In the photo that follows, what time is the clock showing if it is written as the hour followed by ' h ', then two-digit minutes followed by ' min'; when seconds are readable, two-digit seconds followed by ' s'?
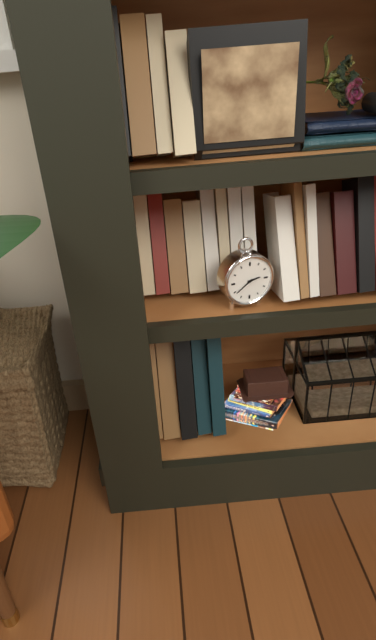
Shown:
2 h 39 min
